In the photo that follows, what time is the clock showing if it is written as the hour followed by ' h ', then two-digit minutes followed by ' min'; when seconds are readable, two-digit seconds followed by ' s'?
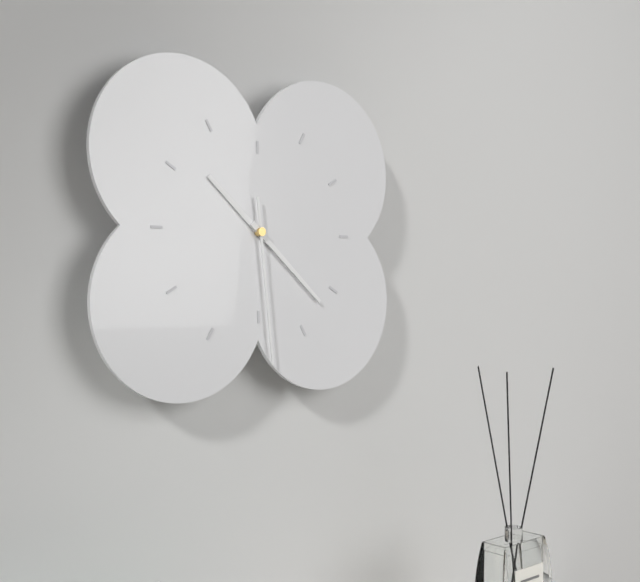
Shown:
10 h 22 min 29 s
